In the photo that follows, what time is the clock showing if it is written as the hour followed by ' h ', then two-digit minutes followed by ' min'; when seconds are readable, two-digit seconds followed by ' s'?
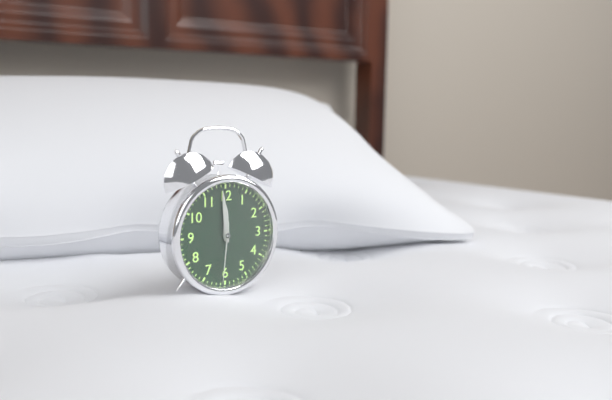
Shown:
11 h 59 min 31 s
